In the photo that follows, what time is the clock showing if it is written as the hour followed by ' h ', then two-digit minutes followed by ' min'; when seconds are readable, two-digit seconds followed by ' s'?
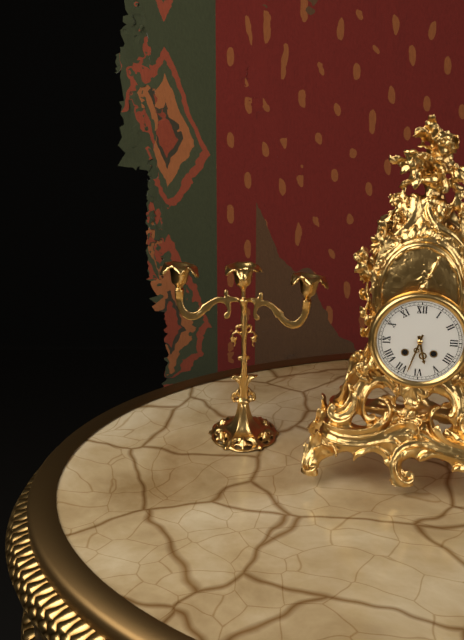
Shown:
5 h 33 min
